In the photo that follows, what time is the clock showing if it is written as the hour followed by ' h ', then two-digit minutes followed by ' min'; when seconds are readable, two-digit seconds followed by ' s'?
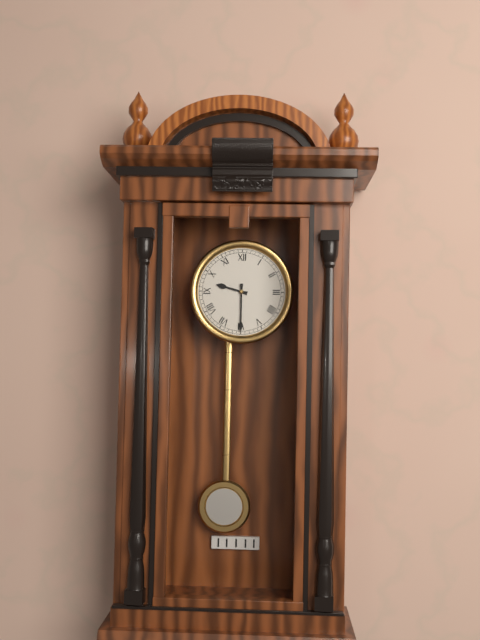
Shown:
9 h 30 min
